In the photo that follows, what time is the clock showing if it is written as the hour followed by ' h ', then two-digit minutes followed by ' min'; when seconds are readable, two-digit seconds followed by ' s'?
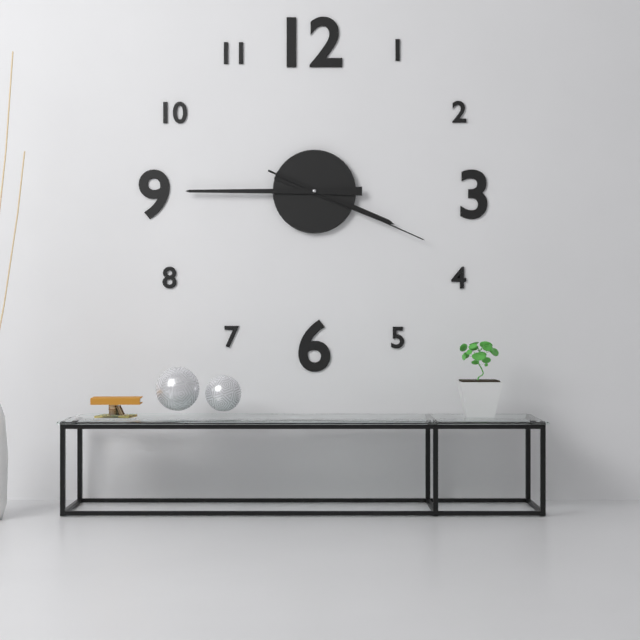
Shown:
3 h 45 min 19 s
